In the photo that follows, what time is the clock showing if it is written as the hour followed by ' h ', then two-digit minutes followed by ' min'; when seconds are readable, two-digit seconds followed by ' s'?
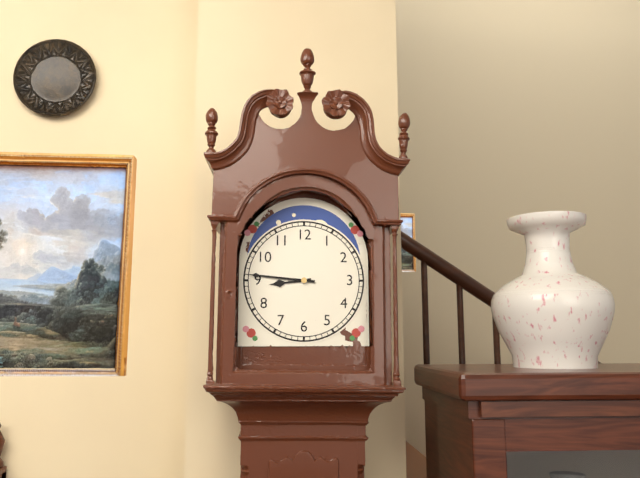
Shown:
8 h 46 min
